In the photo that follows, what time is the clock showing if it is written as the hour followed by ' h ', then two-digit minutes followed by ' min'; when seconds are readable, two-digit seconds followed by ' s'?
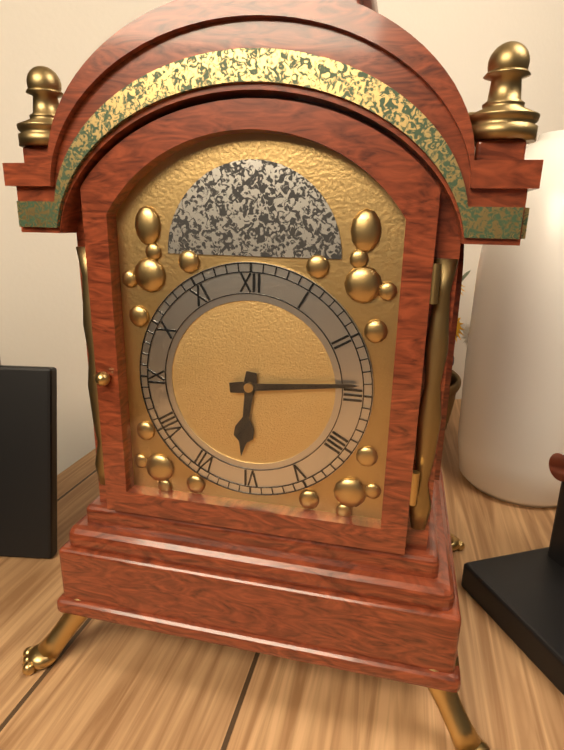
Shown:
6 h 14 min
